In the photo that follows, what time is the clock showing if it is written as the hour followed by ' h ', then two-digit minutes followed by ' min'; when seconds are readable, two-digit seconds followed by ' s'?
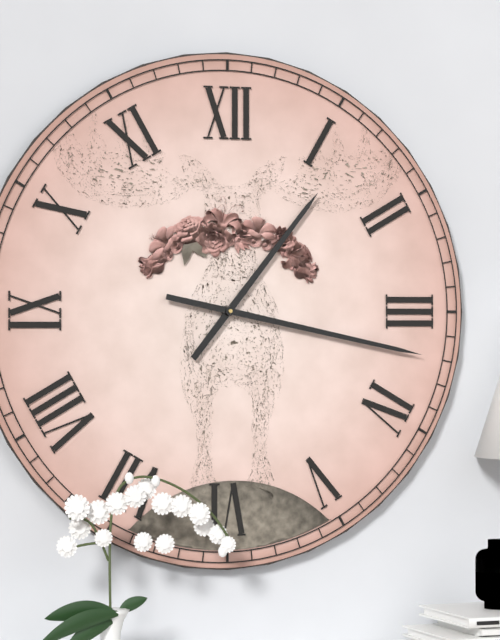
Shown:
1 h 17 min
